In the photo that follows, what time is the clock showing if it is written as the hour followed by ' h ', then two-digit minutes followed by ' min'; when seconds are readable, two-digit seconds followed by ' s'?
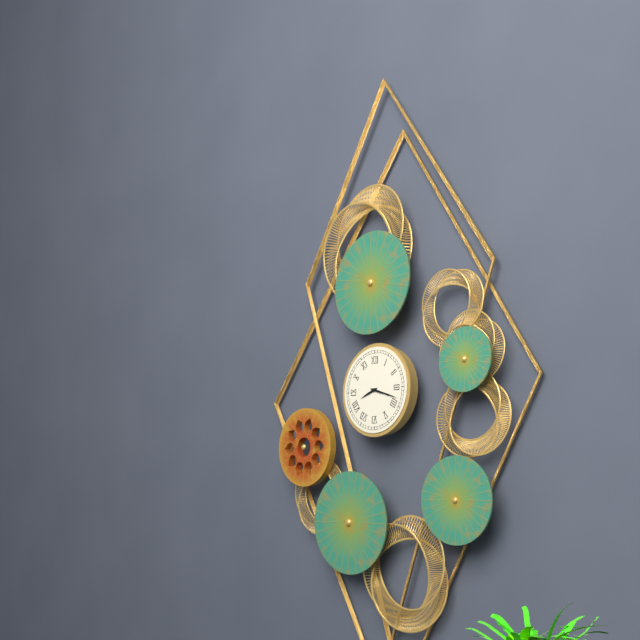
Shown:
8 h 18 min
